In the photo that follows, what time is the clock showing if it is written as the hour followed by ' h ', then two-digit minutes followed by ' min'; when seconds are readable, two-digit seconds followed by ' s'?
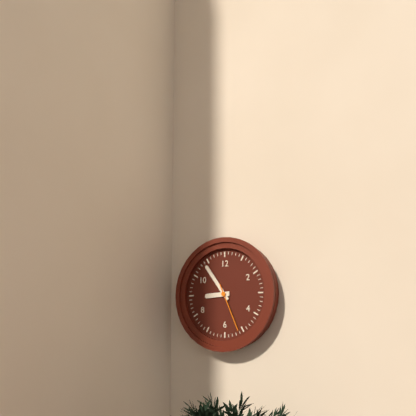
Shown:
8 h 54 min
